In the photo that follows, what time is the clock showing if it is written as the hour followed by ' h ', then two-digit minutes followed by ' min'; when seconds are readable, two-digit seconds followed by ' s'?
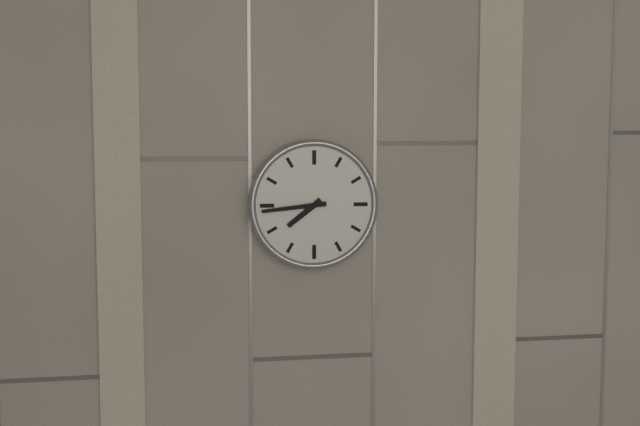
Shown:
7 h 44 min
